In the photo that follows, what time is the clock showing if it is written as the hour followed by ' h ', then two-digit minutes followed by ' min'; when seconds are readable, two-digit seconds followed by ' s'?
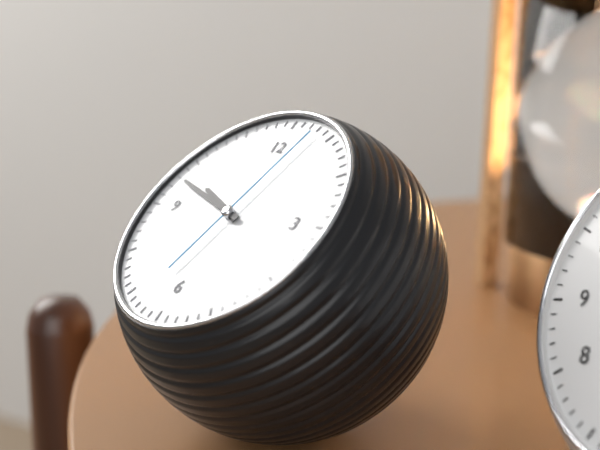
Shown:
9 h 48 min 03 s
